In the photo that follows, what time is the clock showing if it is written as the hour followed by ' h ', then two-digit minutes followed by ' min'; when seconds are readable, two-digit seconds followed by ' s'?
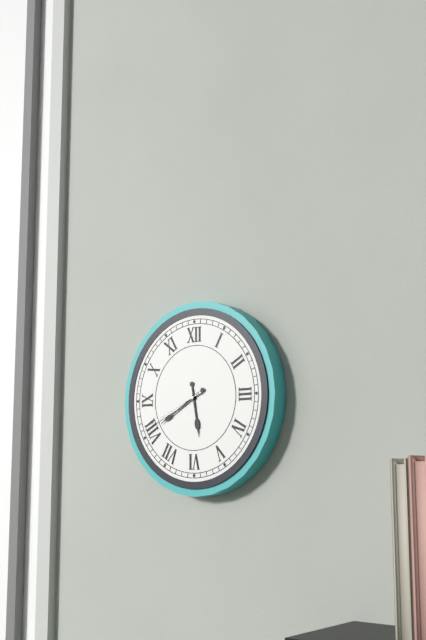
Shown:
5 h 40 min 41 s
